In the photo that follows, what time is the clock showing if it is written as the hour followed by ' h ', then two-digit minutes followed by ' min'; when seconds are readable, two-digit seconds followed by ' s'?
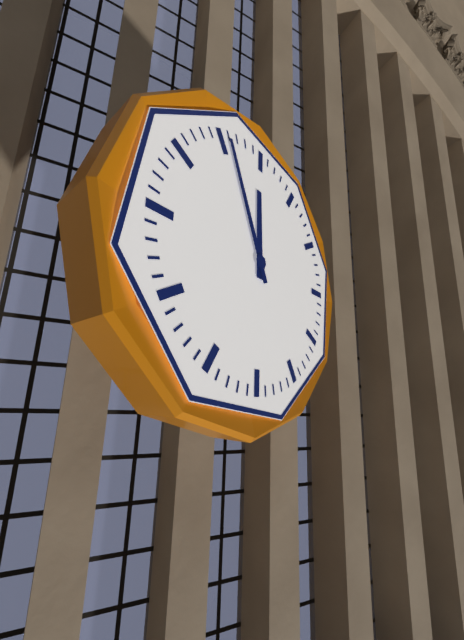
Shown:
11 h 56 min
